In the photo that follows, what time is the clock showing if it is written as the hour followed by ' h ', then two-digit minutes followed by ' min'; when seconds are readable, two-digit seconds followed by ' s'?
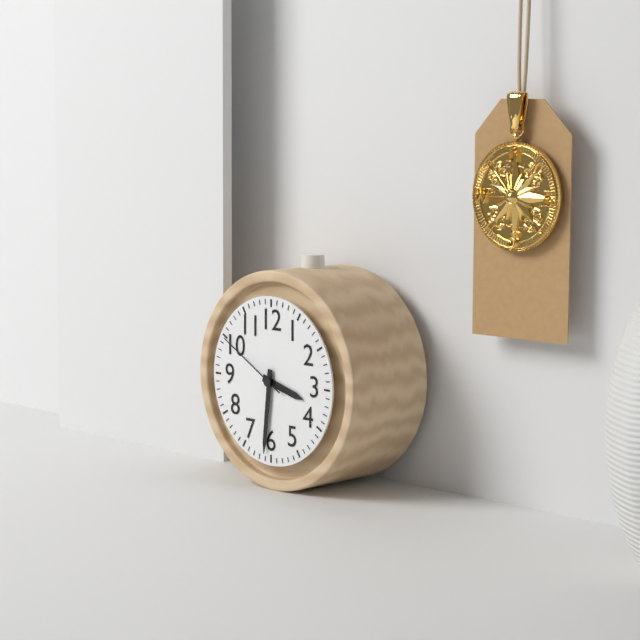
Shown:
3 h 31 min 50 s
